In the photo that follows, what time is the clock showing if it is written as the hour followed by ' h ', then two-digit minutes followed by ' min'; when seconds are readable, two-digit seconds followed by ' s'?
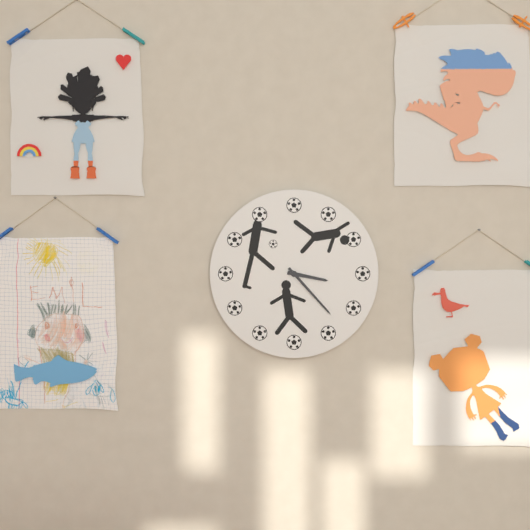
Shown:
3 h 23 min
